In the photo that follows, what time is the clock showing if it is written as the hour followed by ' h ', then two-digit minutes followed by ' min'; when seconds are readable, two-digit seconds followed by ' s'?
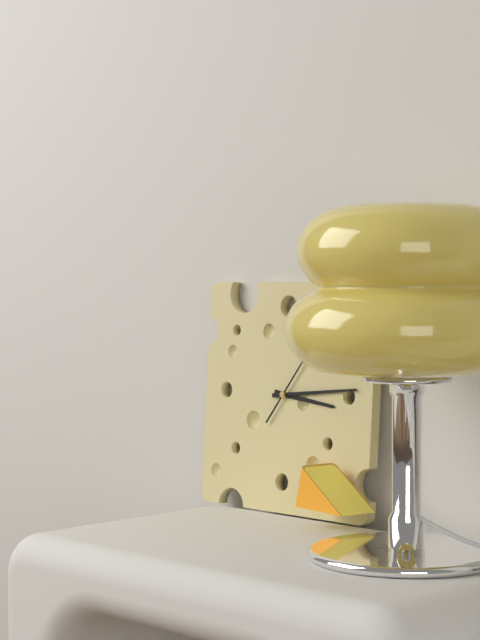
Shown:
3 h 14 min
